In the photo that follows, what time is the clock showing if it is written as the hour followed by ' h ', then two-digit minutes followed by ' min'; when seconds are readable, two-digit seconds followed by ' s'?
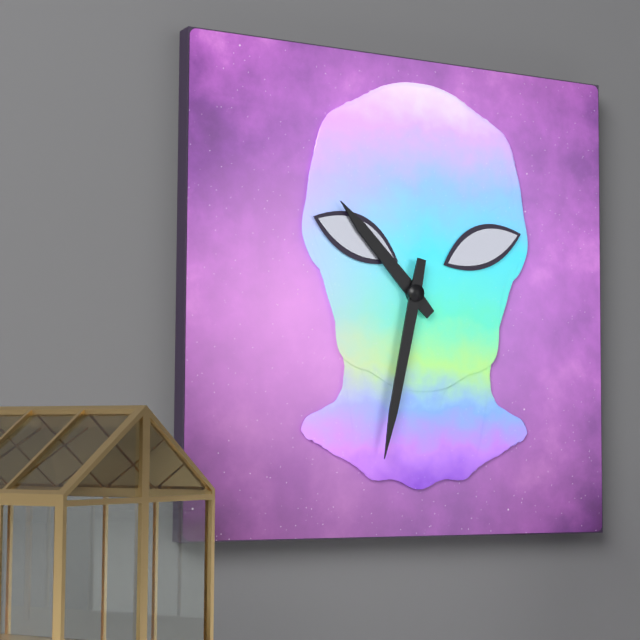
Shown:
10 h 32 min
